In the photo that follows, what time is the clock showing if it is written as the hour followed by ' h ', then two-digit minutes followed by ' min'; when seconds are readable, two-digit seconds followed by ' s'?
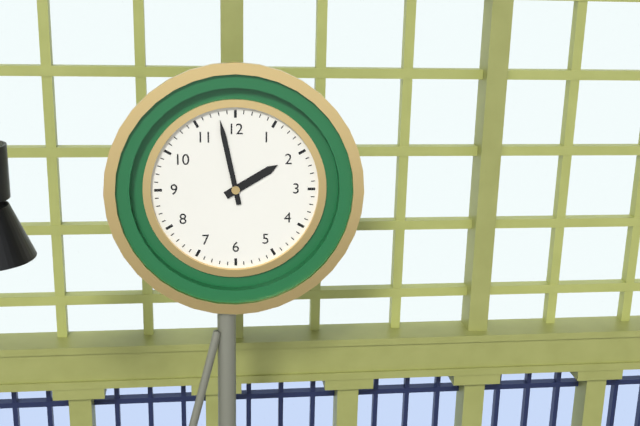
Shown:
1 h 58 min
